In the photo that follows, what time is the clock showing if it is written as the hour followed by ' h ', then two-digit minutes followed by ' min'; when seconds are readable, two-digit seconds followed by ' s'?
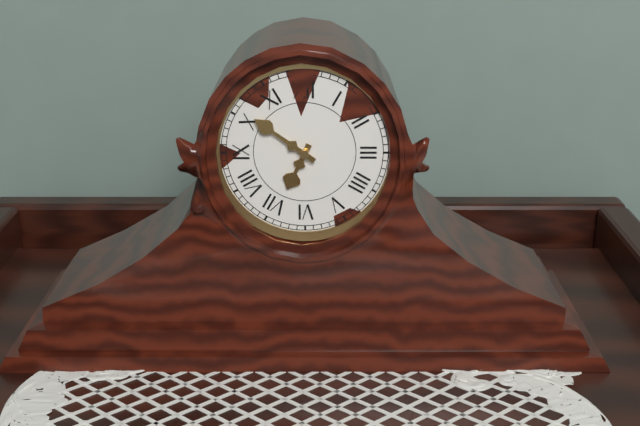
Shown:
6 h 51 min
